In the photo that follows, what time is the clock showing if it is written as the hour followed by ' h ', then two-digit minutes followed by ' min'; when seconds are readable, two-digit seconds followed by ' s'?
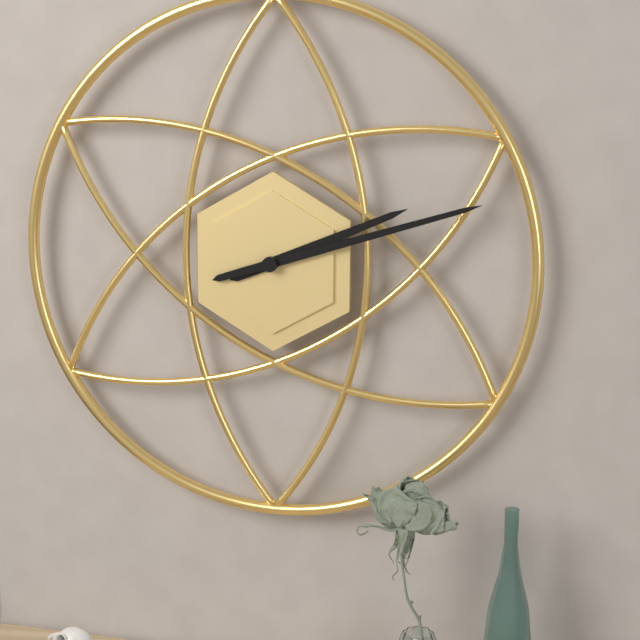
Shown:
2 h 12 min
